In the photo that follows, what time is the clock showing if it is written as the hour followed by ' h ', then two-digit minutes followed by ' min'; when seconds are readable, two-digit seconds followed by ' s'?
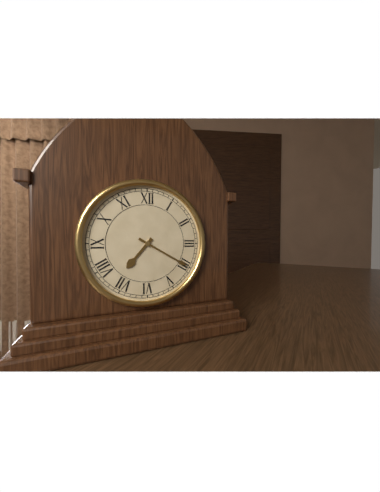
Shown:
7 h 20 min
